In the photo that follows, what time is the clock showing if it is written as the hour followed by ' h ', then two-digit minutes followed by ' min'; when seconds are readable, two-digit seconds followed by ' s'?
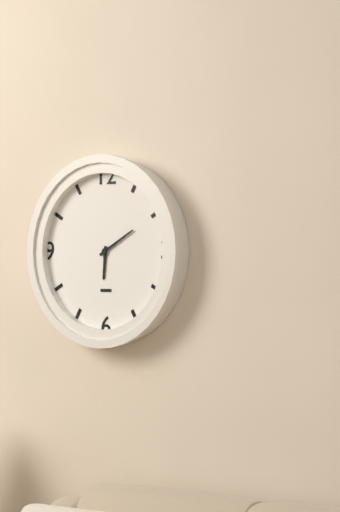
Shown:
6 h 10 min
